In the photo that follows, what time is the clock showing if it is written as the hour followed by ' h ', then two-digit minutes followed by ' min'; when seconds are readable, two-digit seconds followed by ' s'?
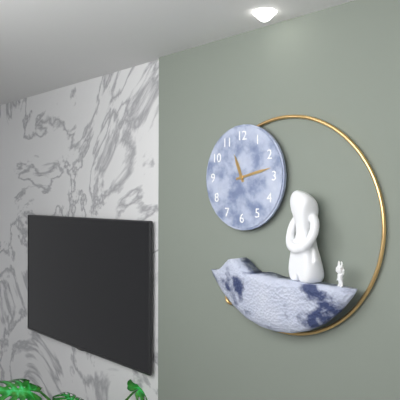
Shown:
11 h 13 min
